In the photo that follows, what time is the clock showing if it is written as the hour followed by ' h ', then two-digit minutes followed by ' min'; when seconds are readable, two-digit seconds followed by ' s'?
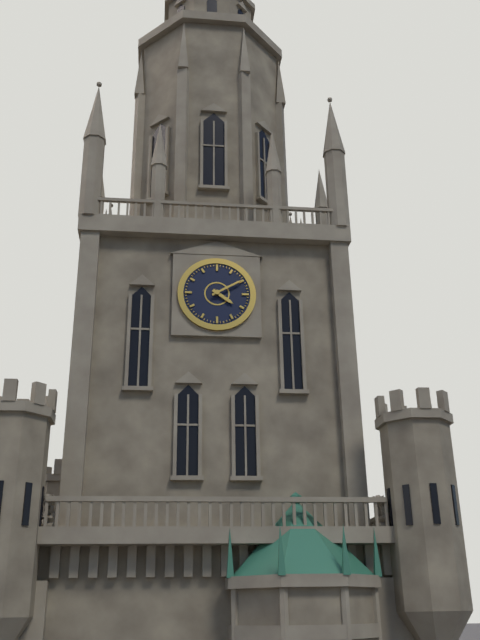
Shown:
4 h 10 min
